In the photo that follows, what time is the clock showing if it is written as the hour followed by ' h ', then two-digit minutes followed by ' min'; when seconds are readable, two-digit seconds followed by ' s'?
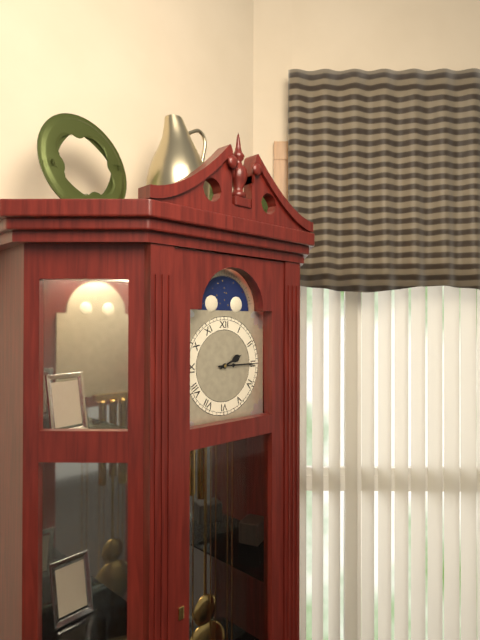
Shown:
2 h 15 min
